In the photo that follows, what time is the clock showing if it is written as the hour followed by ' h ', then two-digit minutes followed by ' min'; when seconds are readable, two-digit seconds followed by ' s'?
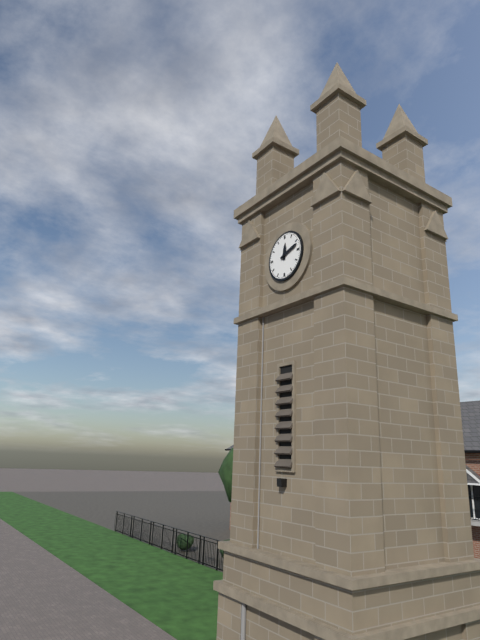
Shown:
12 h 12 min
